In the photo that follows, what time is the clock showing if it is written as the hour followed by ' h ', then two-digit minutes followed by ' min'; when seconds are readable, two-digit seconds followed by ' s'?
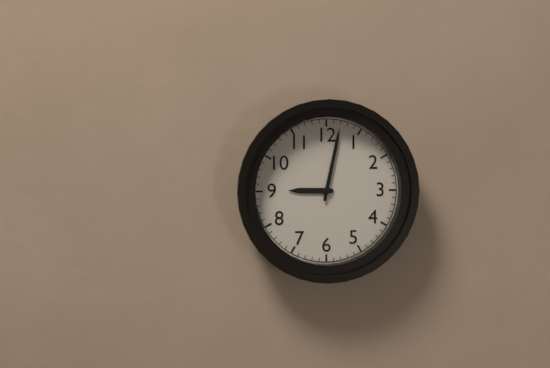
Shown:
9 h 02 min
